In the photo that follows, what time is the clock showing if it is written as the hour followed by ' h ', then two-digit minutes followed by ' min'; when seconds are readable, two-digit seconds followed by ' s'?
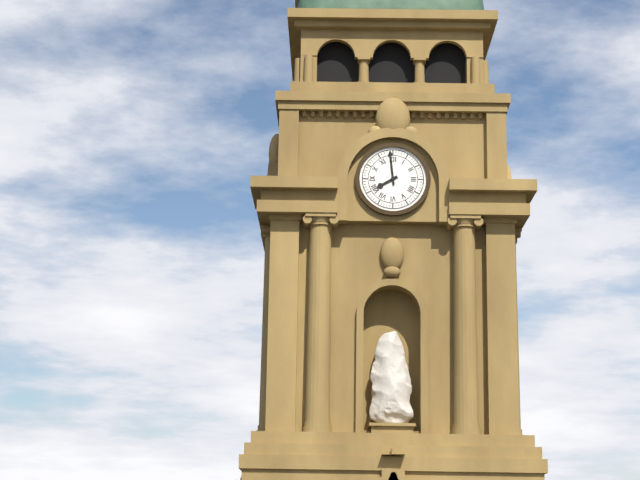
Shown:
7 h 59 min
